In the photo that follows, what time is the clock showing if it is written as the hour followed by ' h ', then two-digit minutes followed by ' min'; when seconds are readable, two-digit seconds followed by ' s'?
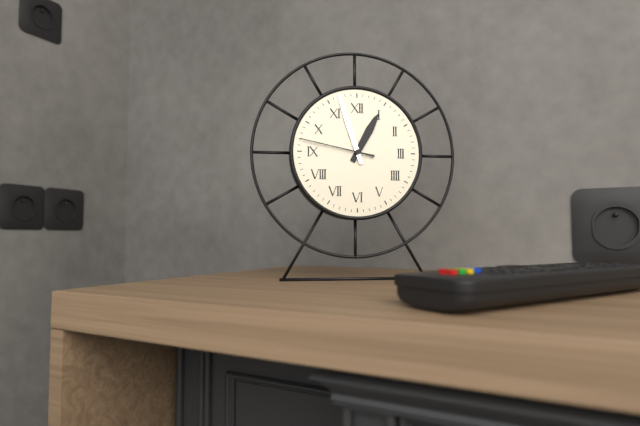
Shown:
12 h 57 min 47 s
